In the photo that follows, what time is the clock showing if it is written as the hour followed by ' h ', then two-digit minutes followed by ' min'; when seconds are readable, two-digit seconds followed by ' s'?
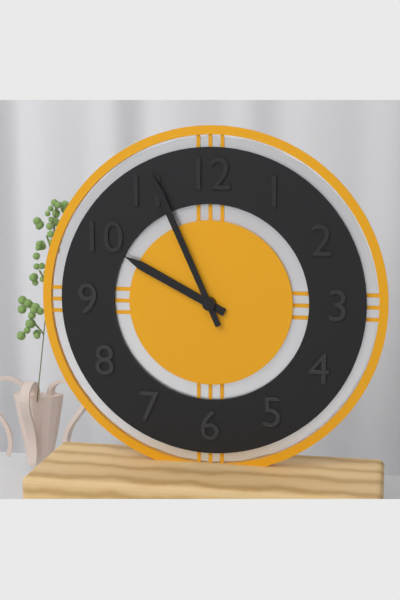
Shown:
9 h 56 min
